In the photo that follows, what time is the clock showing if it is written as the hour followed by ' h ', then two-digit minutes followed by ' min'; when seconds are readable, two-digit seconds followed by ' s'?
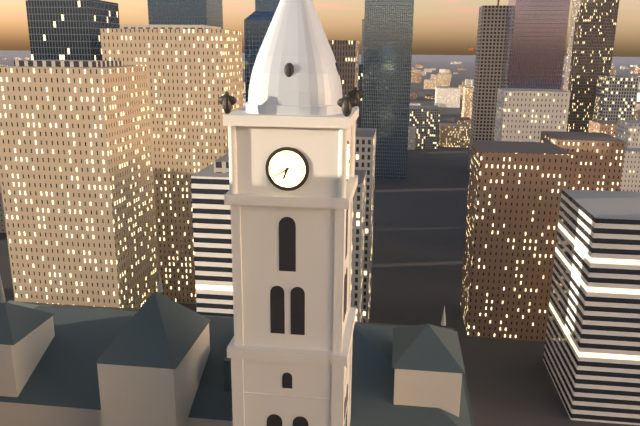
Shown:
6 h 40 min
